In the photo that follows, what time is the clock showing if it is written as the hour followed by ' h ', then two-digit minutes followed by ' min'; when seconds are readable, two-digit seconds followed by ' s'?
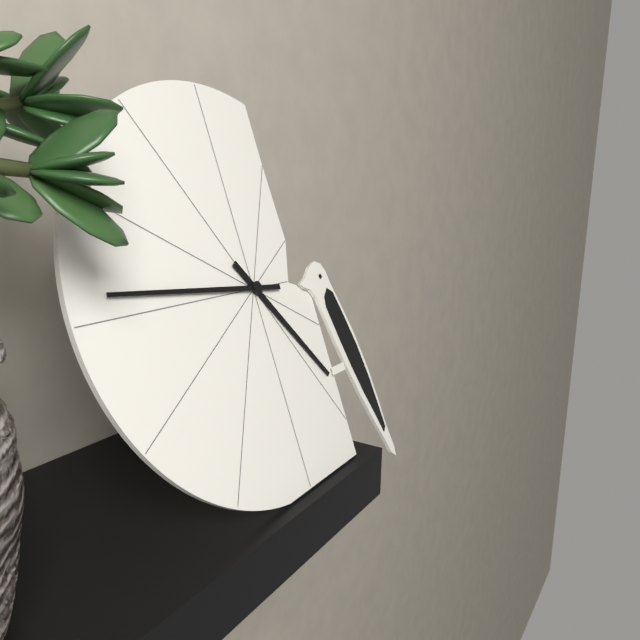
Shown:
4 h 46 min
